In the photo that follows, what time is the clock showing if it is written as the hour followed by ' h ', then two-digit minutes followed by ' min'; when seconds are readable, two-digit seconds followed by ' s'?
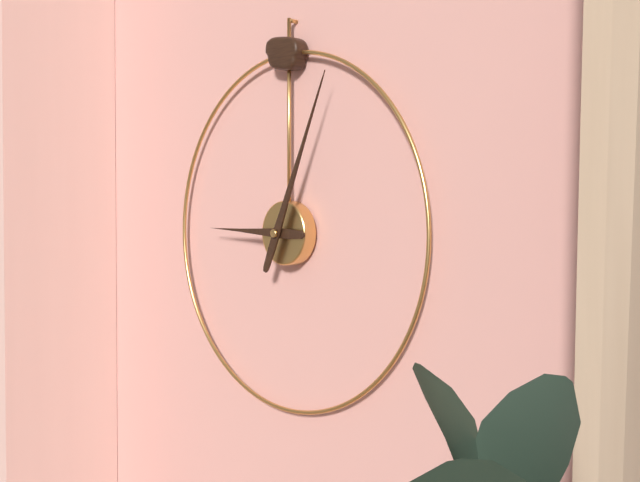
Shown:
9 h 04 min
